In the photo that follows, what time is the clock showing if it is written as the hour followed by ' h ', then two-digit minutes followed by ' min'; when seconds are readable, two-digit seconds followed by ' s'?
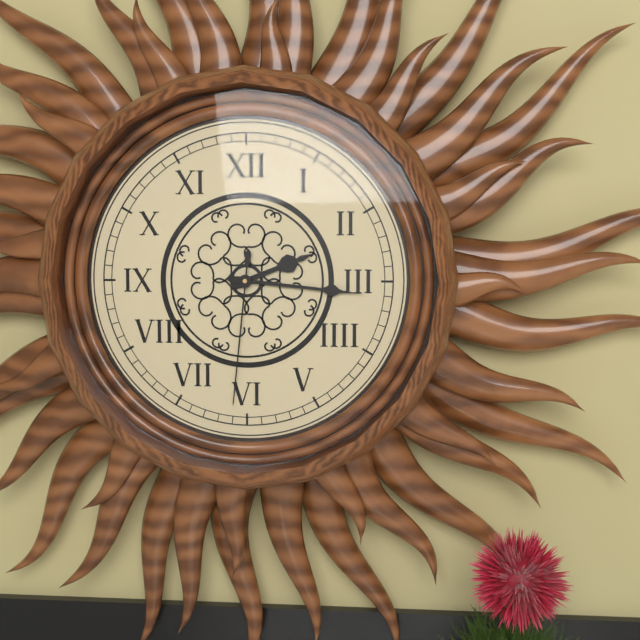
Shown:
2 h 16 min 31 s
